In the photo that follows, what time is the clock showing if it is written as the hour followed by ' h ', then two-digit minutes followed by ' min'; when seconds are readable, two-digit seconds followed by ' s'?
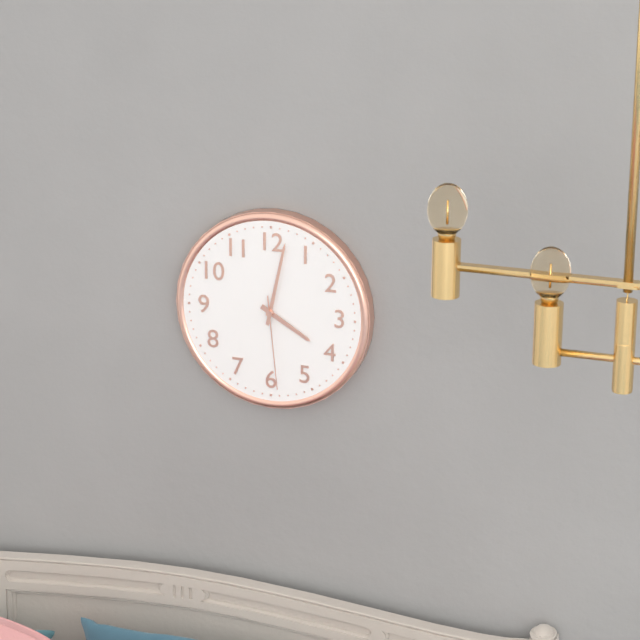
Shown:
4 h 02 min 29 s
